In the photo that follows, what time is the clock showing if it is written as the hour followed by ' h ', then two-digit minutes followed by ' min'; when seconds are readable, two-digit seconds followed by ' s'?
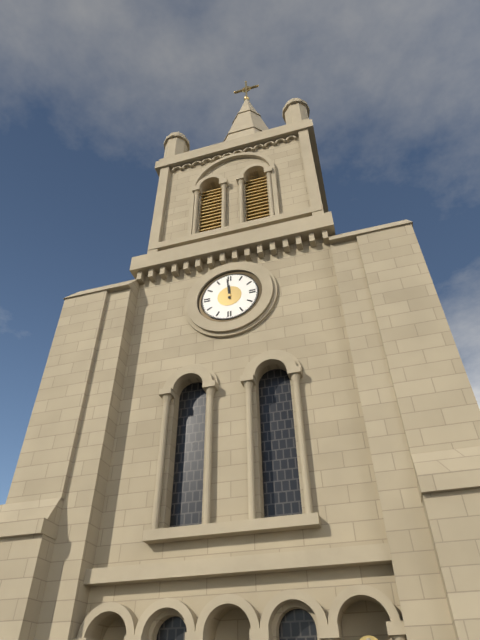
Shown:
11 h 59 min
